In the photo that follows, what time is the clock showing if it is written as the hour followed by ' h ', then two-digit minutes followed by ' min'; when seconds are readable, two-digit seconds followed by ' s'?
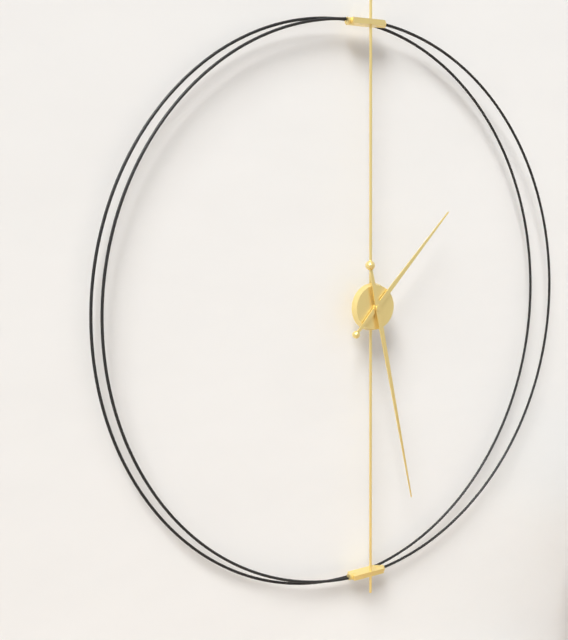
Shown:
1 h 28 min
